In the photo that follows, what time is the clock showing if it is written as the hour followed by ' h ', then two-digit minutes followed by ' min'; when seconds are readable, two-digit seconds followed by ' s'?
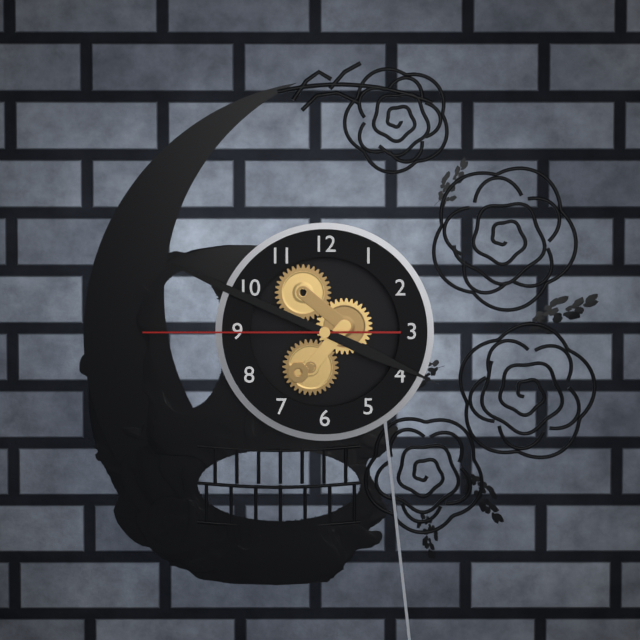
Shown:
3 h 49 min 45 s
